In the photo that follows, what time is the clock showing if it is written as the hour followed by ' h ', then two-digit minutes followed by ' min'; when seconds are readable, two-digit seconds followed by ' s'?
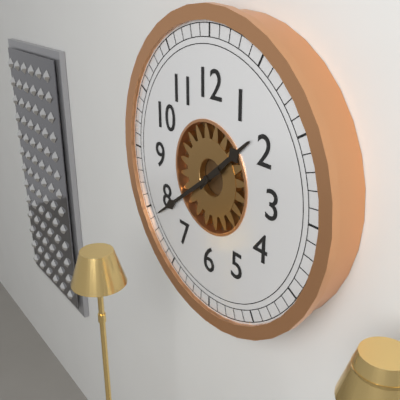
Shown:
1 h 39 min
